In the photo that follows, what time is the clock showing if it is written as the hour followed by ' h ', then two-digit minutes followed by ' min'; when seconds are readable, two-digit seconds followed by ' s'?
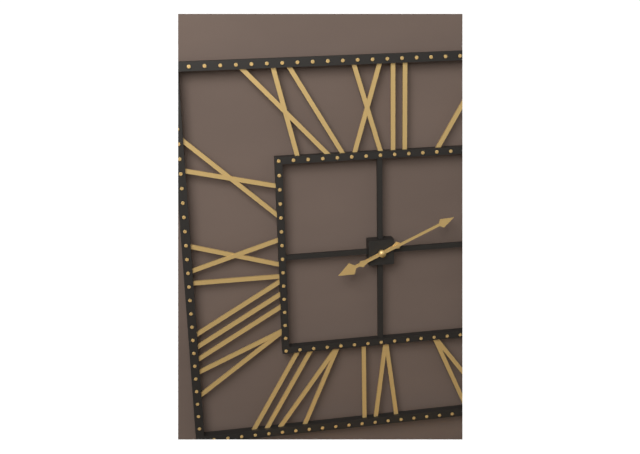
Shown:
8 h 11 min
